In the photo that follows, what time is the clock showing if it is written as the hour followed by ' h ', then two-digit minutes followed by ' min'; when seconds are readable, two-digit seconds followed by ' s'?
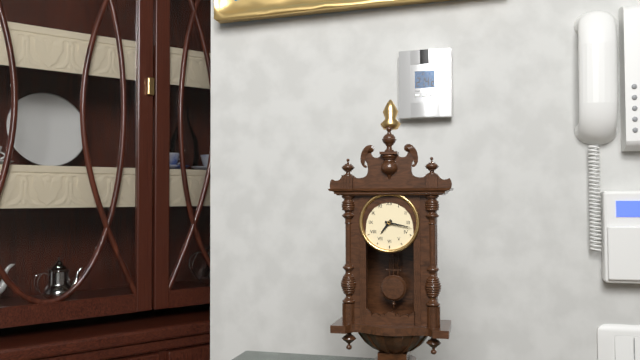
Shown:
7 h 17 min
